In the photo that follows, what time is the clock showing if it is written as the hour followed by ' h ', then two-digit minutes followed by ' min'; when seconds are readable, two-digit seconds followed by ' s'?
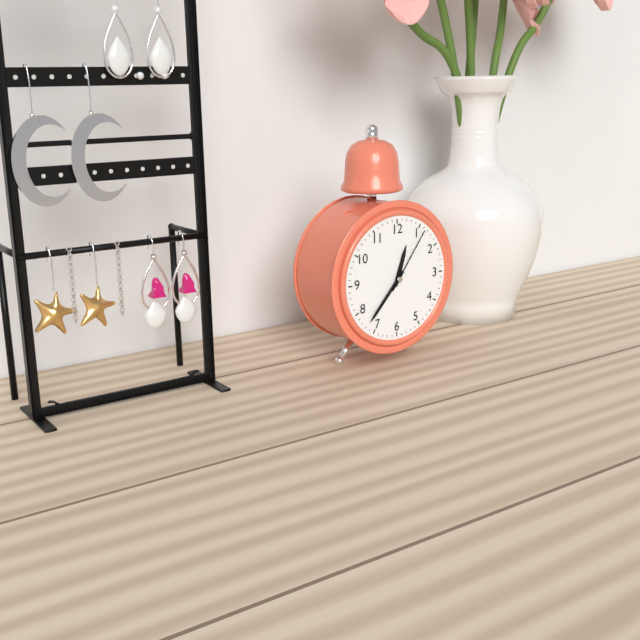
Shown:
12 h 37 min 06 s
